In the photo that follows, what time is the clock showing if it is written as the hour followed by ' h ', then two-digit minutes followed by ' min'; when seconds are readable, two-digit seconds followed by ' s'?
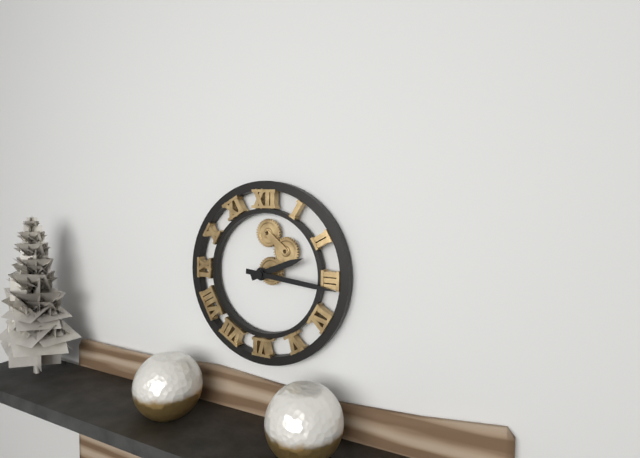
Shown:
2 h 16 min
